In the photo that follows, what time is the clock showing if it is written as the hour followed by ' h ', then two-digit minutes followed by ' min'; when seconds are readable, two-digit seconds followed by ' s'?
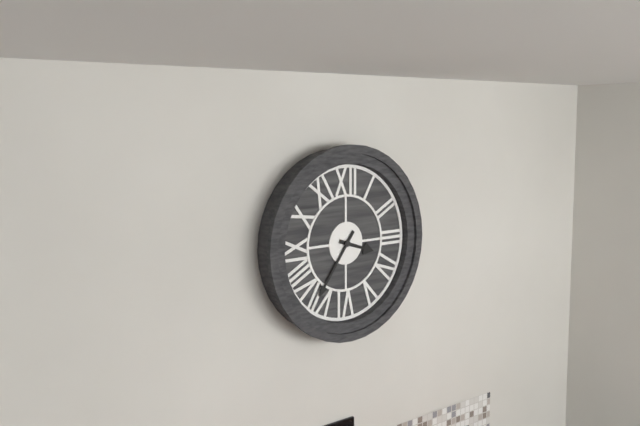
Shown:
3 h 36 min
